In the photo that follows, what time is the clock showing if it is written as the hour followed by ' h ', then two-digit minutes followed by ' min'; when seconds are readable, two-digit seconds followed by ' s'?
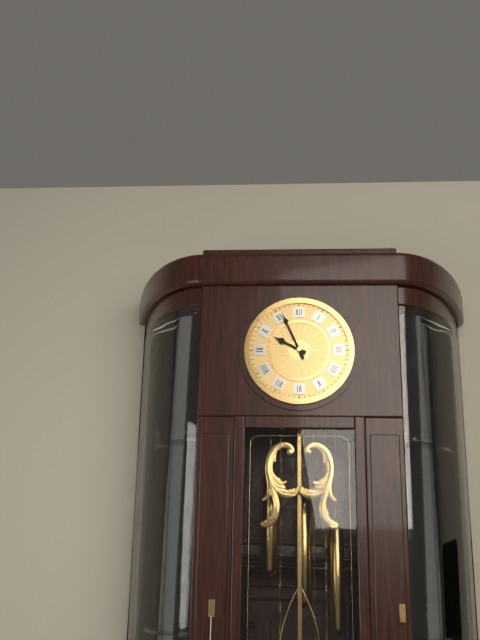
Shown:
9 h 56 min
